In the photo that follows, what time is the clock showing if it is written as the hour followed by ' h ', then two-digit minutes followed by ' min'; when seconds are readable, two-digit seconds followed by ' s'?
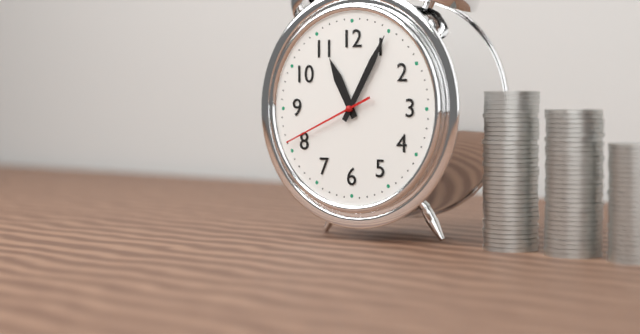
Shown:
11 h 05 min 41 s
